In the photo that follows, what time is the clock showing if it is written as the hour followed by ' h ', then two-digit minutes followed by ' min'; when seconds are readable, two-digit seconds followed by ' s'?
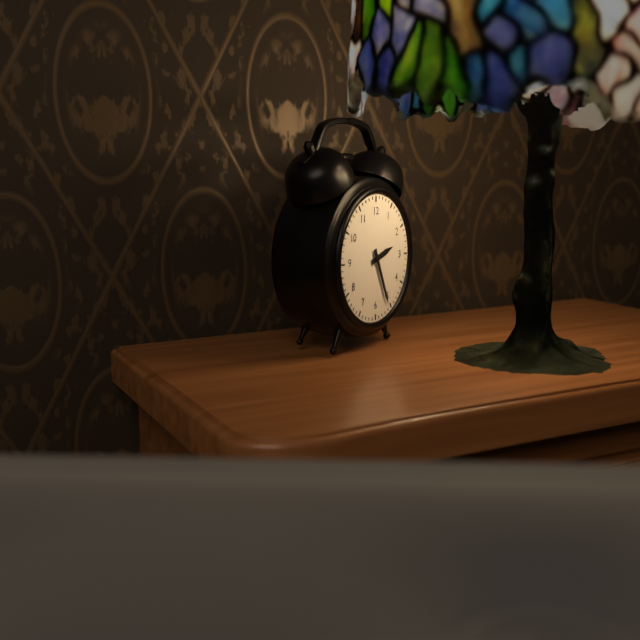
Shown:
2 h 26 min
